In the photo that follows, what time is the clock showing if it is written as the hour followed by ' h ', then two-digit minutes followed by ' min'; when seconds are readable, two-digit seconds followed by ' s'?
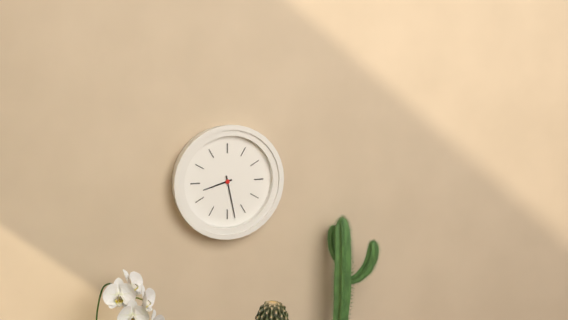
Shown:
8 h 28 min
